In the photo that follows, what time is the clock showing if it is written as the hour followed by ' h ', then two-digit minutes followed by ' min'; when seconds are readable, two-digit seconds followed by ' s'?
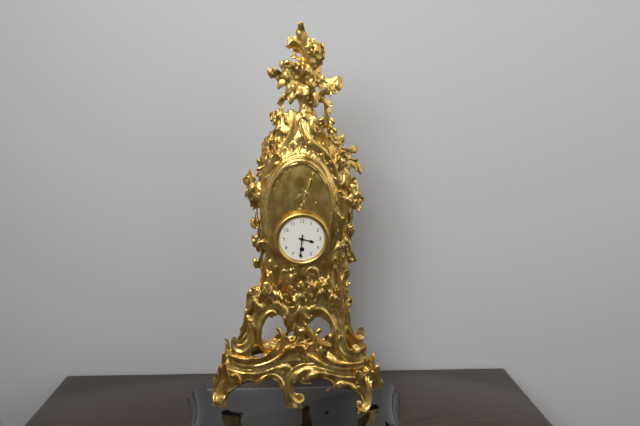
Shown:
3 h 31 min
